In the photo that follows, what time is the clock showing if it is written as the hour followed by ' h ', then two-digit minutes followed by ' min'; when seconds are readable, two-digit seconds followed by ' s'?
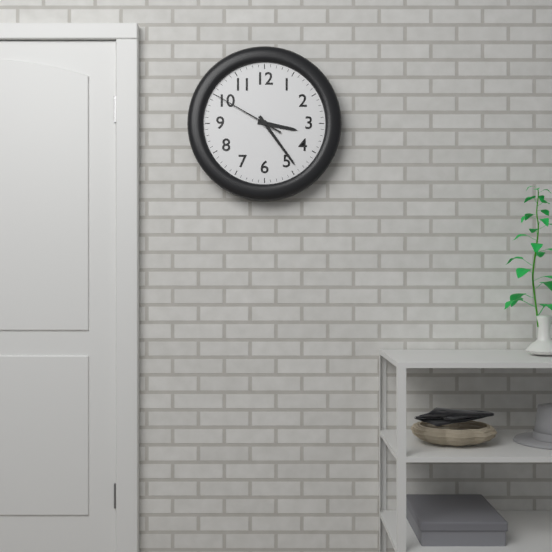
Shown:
3 h 24 min 50 s
